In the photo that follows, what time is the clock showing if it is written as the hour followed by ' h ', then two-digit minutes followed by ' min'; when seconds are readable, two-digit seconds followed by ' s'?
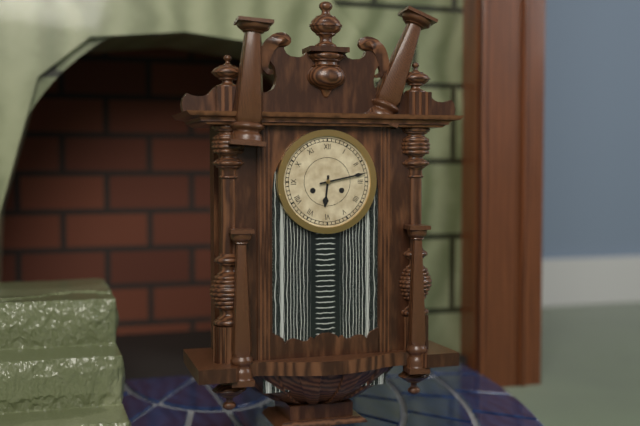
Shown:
6 h 13 min
